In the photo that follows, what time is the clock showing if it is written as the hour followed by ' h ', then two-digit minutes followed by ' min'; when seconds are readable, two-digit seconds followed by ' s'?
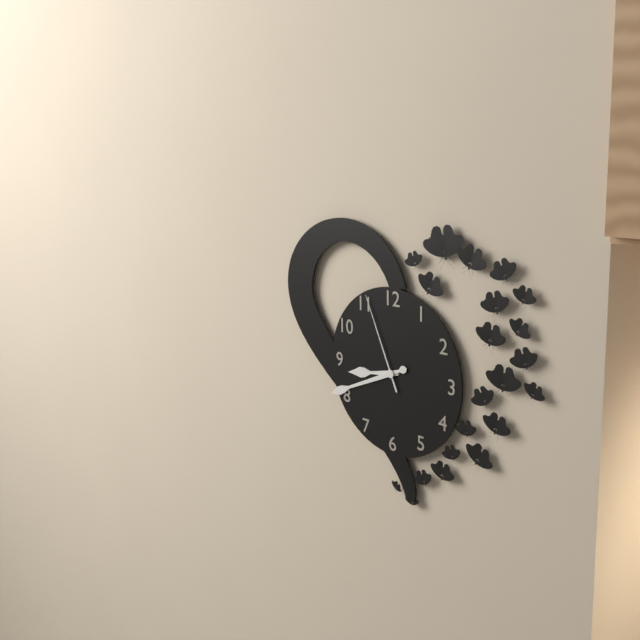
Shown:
8 h 41 min 56 s
